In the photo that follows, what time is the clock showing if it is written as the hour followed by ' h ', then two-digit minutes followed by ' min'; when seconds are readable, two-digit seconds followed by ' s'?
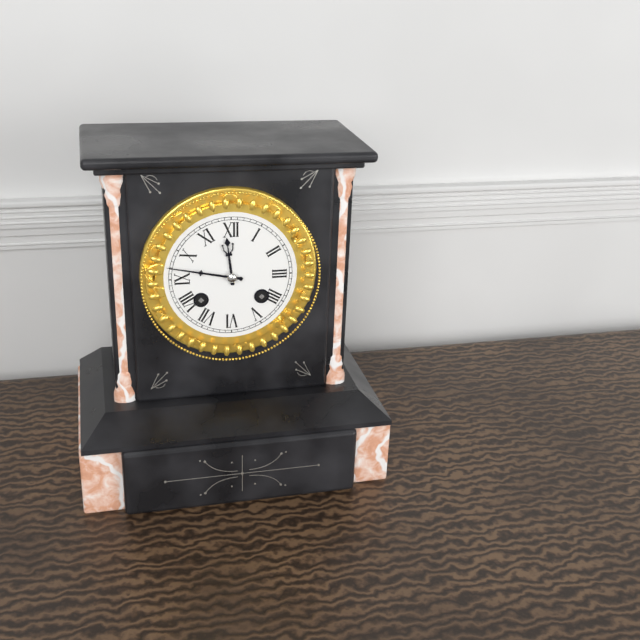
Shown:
11 h 47 min
